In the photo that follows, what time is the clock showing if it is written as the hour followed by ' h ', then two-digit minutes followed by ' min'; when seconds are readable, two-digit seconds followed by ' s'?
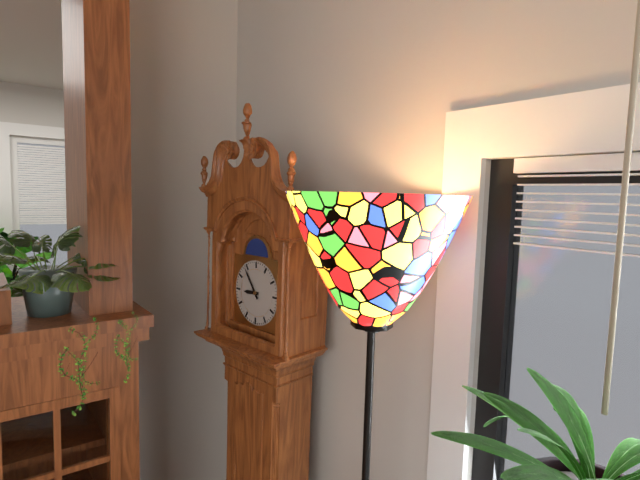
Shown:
8 h 54 min
